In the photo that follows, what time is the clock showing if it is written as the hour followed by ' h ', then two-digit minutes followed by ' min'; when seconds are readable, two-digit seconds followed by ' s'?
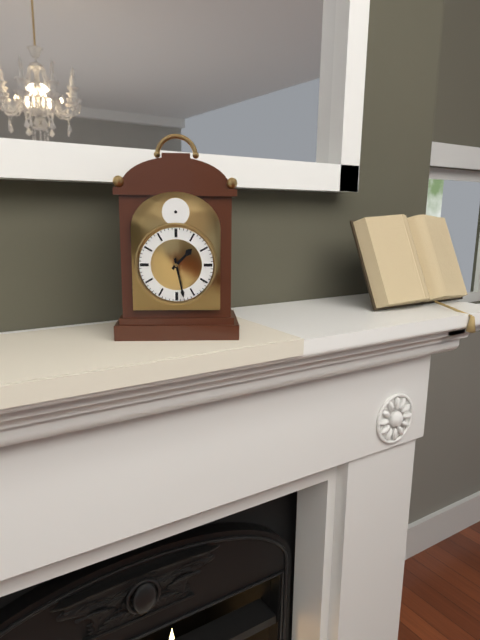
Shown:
1 h 28 min
